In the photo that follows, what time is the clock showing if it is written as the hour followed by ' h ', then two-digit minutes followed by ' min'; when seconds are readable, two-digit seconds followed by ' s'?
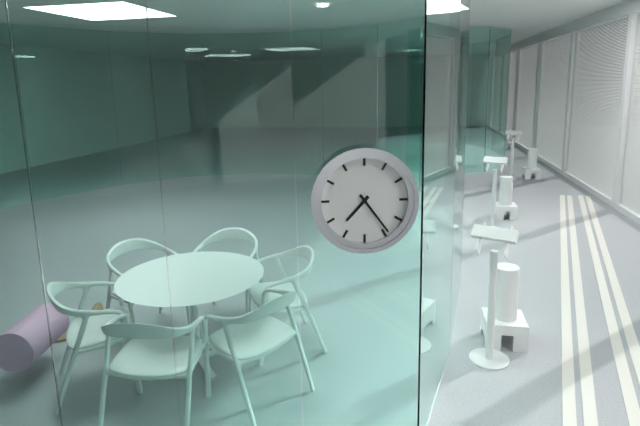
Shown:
7 h 24 min
